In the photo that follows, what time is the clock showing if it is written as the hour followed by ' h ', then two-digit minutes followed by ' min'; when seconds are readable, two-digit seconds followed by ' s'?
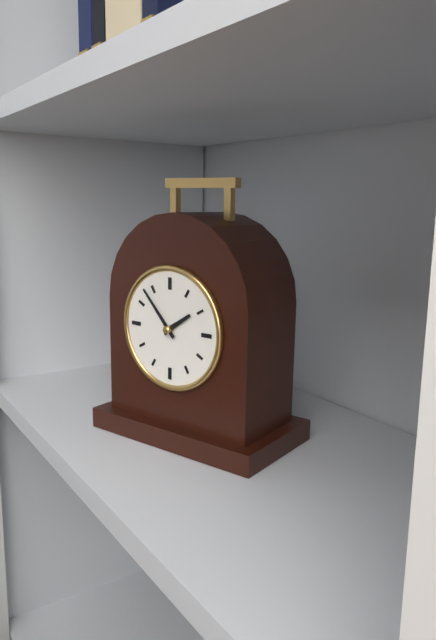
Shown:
1 h 53 min
